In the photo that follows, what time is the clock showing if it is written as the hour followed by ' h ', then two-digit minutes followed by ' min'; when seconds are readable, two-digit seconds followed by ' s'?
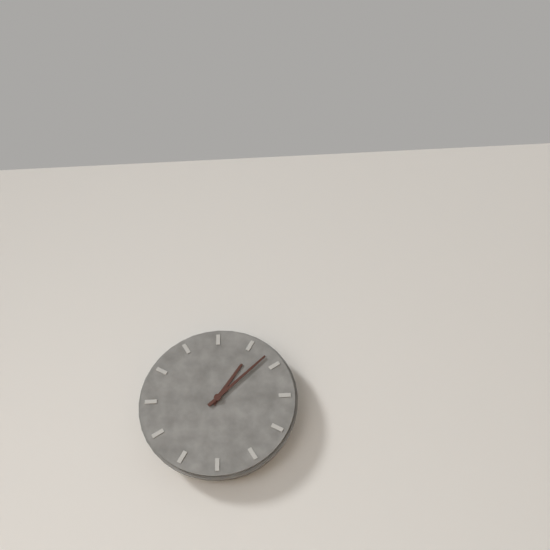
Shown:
1 h 08 min
